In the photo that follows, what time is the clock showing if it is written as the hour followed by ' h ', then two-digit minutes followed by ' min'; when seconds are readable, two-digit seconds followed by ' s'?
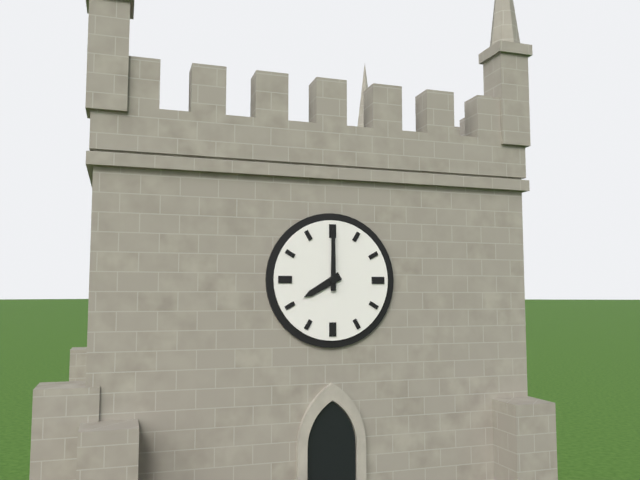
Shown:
8 h 00 min
